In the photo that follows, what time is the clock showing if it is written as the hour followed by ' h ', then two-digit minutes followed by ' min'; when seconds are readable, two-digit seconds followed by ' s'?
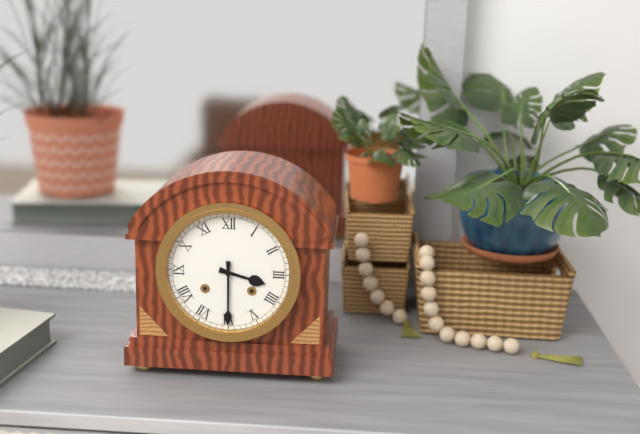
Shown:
3 h 30 min
